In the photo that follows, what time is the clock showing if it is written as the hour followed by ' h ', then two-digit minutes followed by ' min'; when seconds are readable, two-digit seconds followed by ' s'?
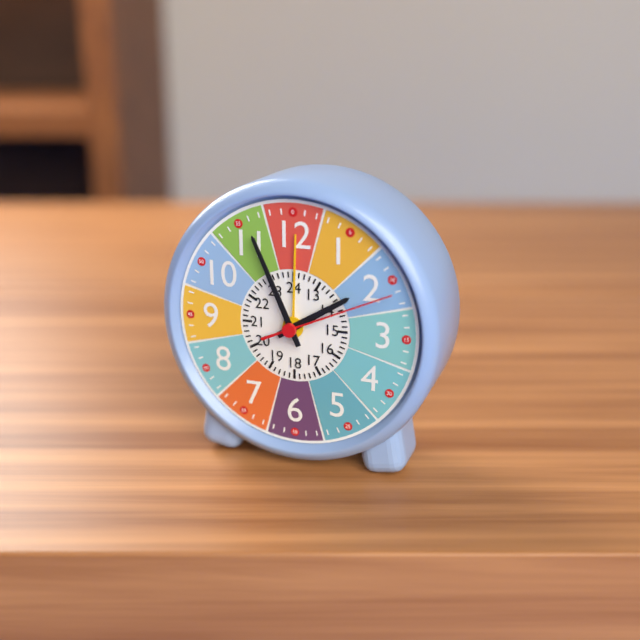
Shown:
1 h 56 min 11 s
